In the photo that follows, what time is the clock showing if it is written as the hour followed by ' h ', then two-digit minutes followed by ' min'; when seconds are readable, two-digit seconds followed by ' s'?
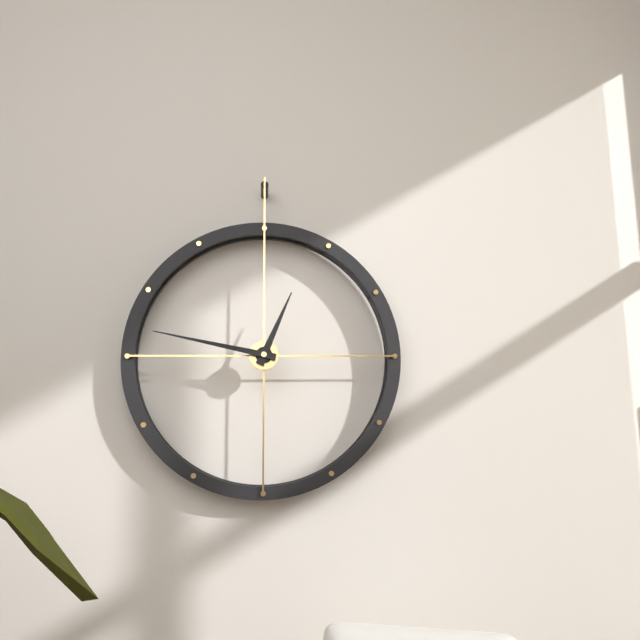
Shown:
12 h 47 min
